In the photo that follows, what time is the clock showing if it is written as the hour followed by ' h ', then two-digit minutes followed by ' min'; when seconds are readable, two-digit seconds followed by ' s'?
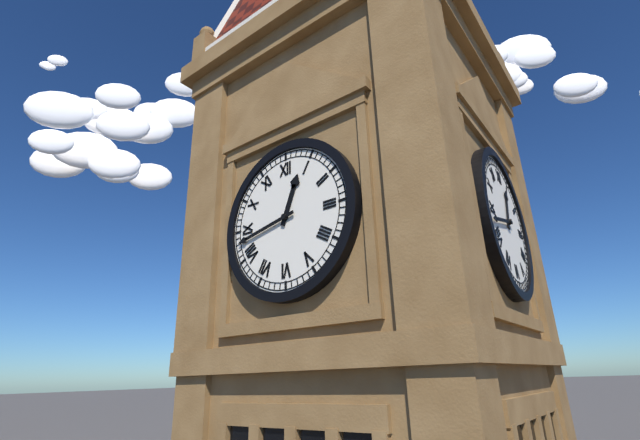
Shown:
12 h 43 min
